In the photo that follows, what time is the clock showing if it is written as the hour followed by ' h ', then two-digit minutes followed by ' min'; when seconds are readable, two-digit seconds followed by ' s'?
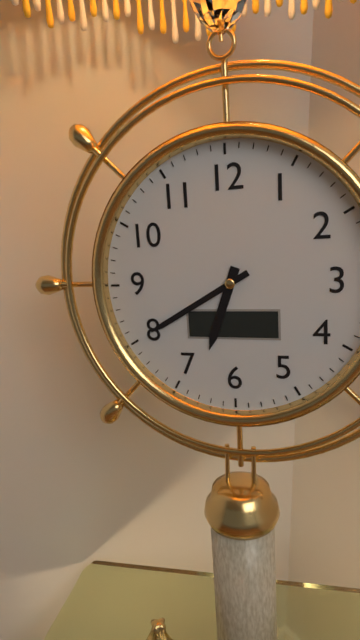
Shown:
6 h 40 min
